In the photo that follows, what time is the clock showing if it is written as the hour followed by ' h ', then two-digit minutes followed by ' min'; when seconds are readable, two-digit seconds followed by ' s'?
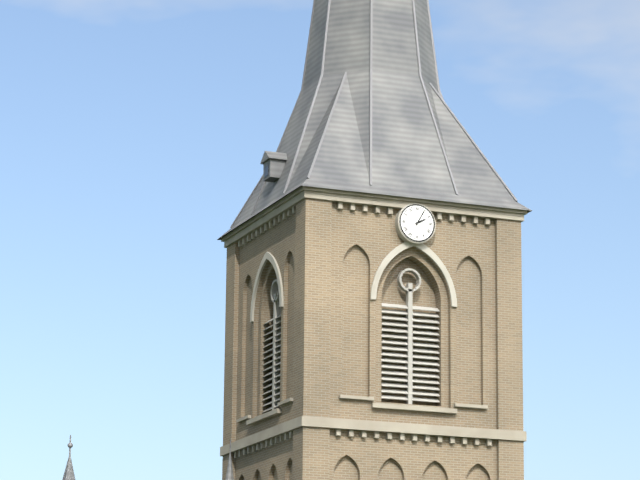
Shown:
2 h 05 min
